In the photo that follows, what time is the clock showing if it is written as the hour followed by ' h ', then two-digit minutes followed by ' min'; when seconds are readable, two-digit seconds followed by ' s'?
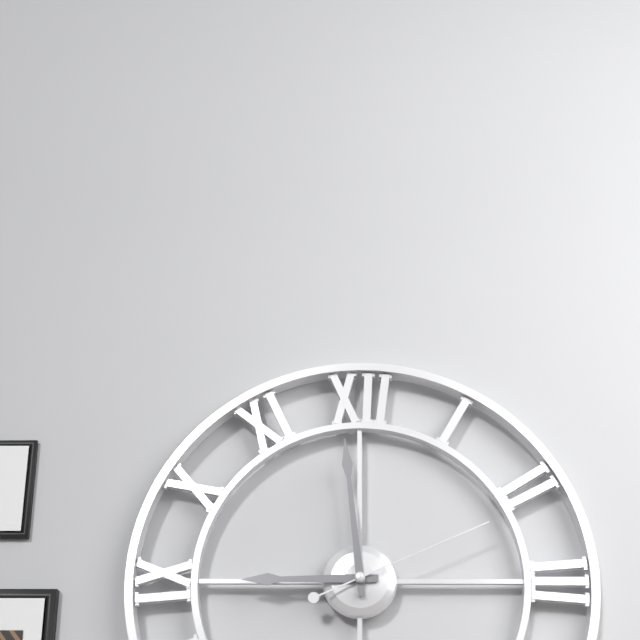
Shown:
8 h 59 min 11 s
